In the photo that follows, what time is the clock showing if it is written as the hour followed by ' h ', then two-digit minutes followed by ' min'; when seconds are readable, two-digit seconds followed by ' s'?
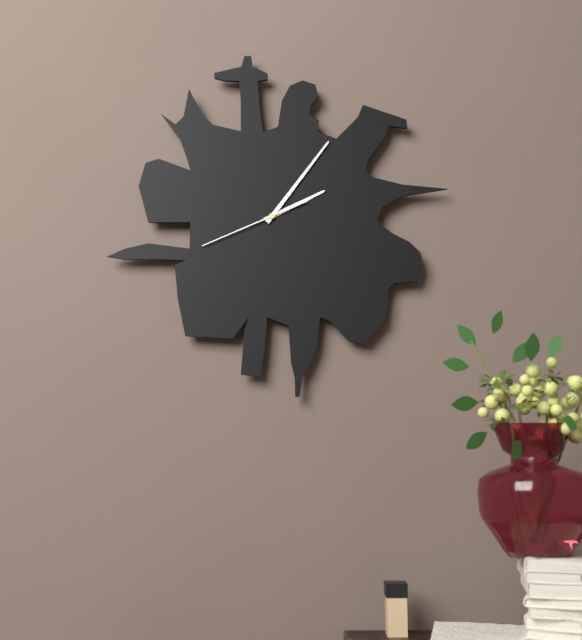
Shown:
2 h 06 min 41 s
